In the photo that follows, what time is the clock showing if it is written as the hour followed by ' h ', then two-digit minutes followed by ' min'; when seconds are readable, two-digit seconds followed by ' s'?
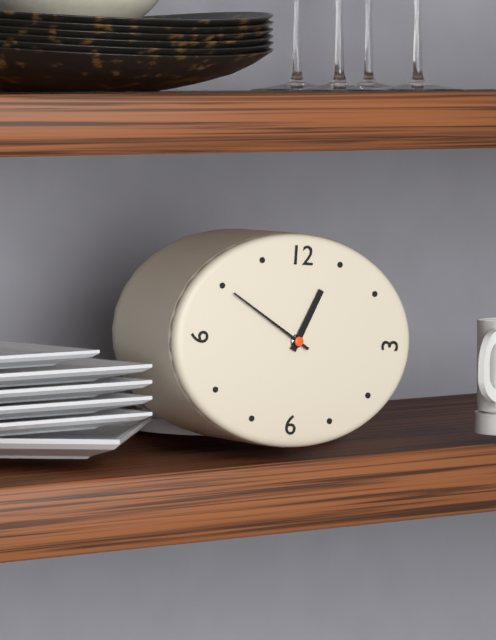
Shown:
12 h 50 min
